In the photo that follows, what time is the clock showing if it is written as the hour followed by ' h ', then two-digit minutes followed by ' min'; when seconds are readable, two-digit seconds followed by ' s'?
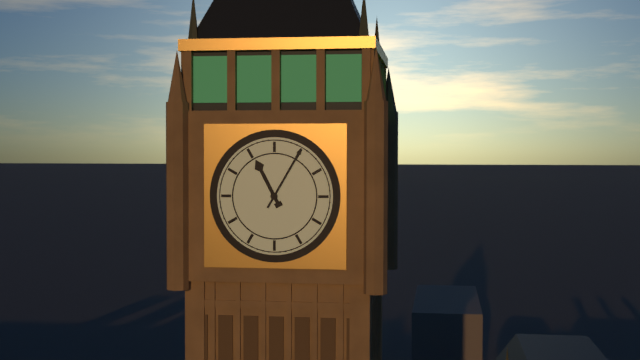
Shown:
11 h 05 min
